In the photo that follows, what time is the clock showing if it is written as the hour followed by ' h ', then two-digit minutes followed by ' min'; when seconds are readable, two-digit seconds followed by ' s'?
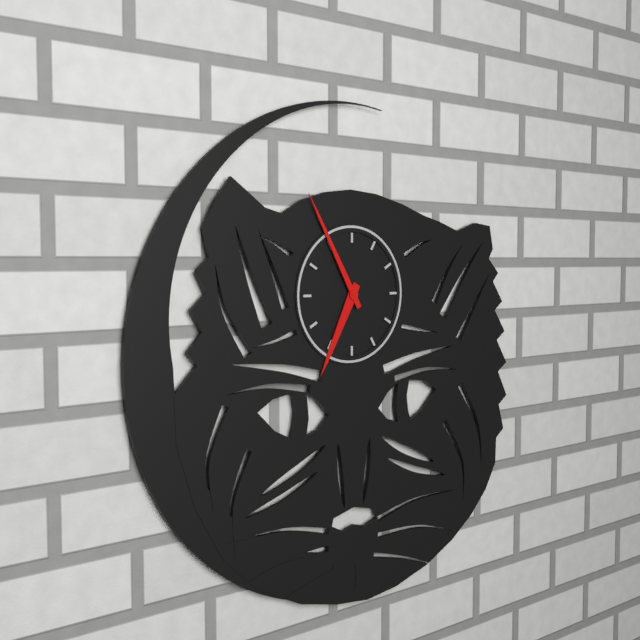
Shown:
6 h 55 min
